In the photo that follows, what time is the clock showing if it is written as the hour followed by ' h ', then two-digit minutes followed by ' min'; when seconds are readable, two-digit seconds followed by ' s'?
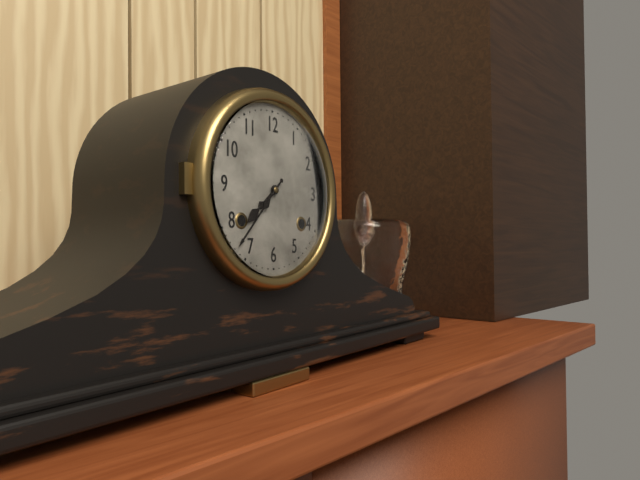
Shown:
7 h 37 min
